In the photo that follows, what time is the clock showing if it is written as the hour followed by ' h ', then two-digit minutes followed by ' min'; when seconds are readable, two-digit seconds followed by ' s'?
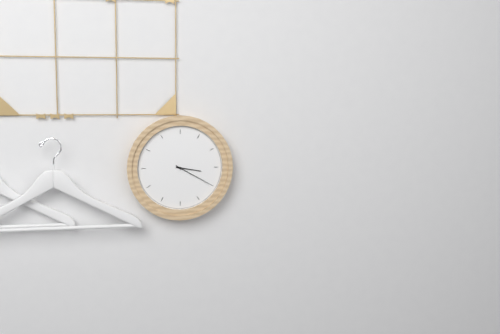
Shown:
3 h 20 min
